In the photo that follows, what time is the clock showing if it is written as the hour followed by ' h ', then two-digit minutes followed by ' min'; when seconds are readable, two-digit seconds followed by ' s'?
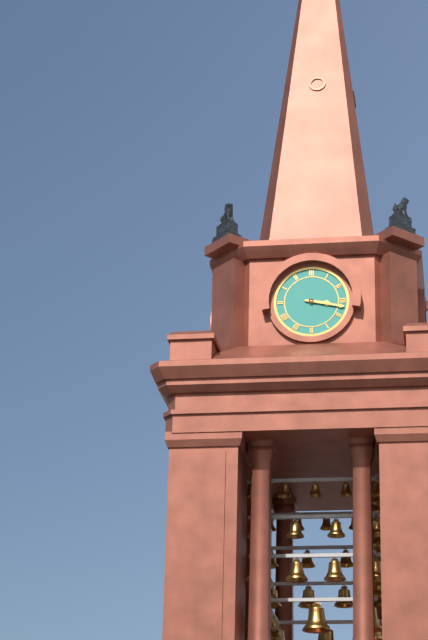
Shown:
3 h 17 min
